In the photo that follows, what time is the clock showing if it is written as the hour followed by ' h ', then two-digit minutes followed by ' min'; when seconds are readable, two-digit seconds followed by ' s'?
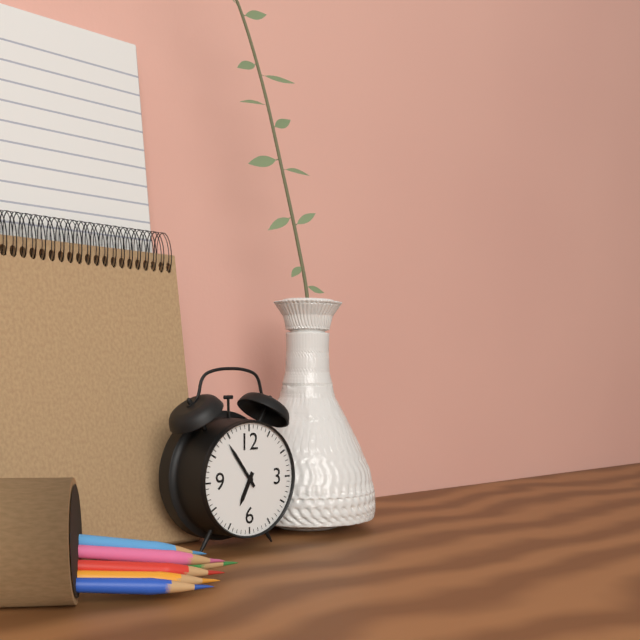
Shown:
6 h 54 min
